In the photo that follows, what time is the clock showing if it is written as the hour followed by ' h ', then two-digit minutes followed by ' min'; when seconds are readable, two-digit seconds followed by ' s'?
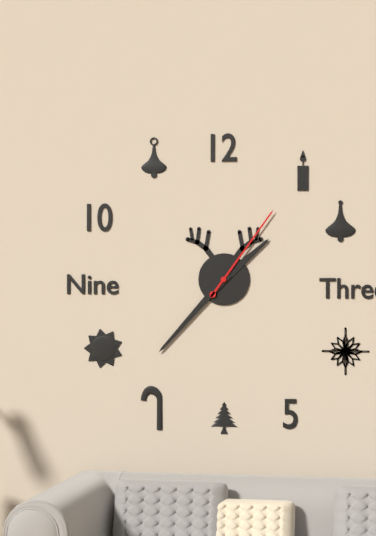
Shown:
1 h 37 min 06 s
